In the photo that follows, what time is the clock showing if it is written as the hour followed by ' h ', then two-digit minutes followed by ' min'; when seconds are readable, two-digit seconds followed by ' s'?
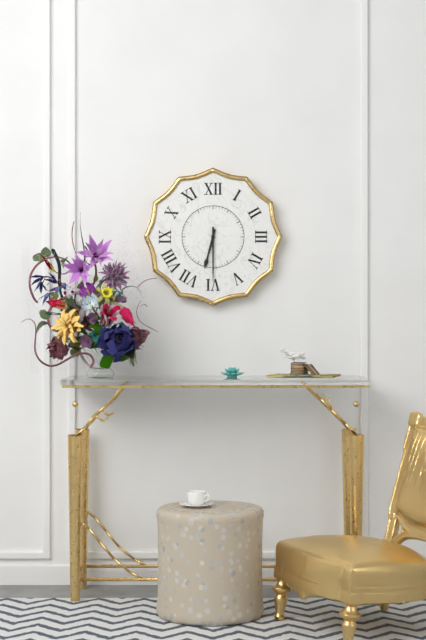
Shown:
6 h 30 min
